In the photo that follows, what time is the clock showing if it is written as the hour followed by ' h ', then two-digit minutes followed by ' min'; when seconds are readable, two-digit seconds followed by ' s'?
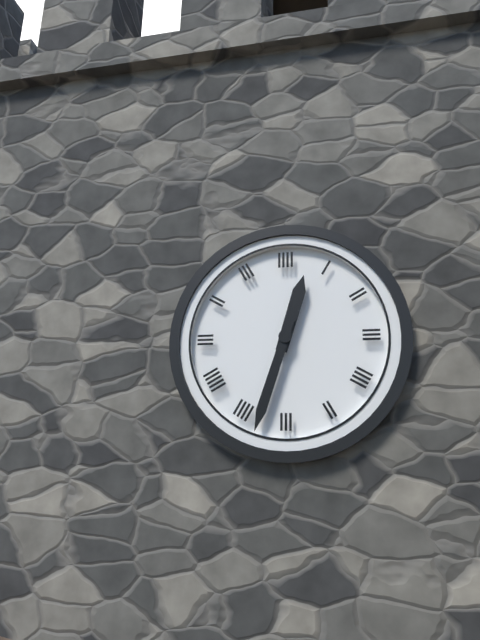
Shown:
12 h 33 min
